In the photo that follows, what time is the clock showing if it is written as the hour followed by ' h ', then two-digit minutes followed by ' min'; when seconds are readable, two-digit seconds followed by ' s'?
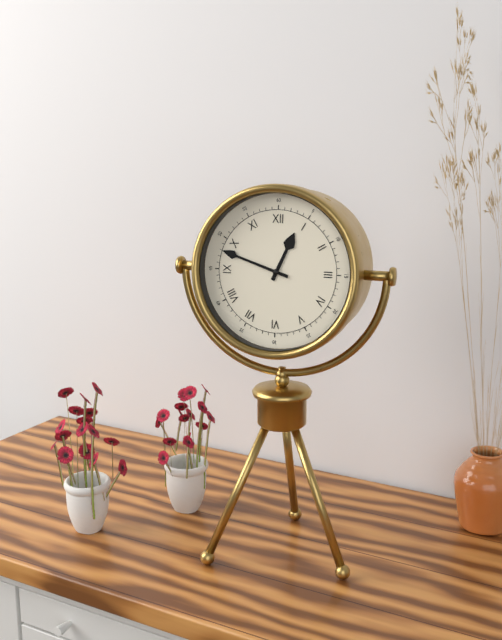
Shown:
12 h 48 min
